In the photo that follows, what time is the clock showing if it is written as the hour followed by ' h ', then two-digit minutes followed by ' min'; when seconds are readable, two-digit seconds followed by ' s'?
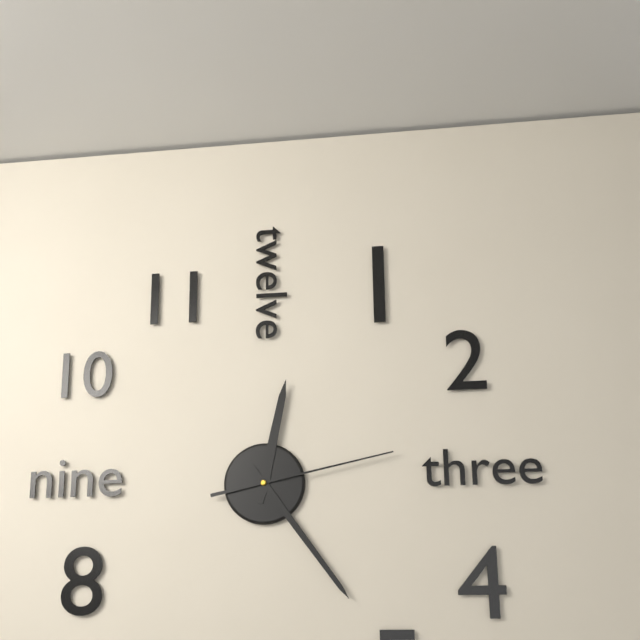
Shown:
12 h 24 min 13 s
